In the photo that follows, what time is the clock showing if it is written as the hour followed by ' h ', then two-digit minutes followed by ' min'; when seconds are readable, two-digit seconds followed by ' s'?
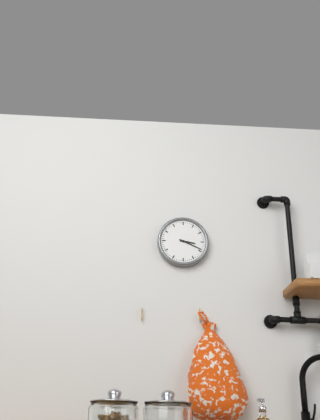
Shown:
3 h 19 min
